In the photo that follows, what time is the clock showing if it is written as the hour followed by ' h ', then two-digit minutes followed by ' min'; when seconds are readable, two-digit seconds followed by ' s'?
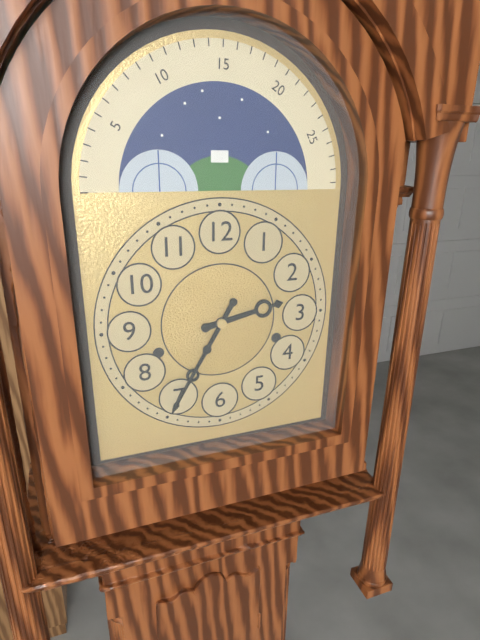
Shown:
2 h 35 min
